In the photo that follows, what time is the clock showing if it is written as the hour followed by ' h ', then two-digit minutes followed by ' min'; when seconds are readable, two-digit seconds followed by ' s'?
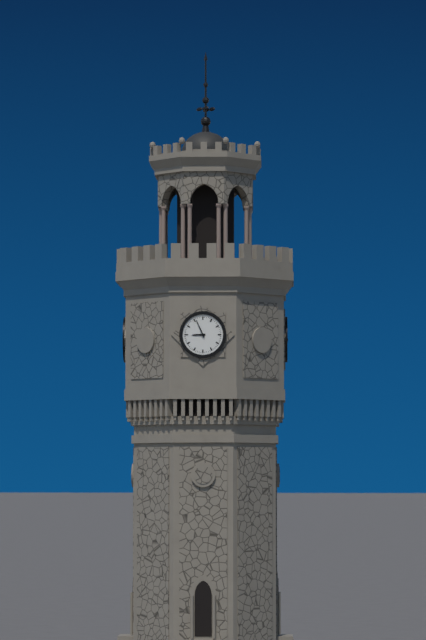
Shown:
8 h 56 min
